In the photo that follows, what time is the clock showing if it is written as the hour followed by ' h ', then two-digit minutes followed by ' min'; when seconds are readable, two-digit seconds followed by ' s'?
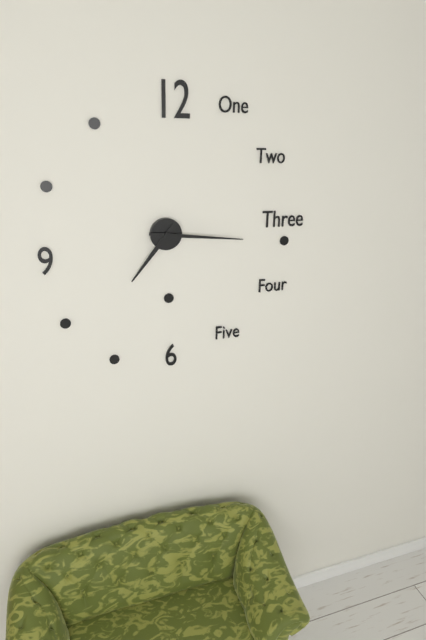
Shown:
7 h 16 min
